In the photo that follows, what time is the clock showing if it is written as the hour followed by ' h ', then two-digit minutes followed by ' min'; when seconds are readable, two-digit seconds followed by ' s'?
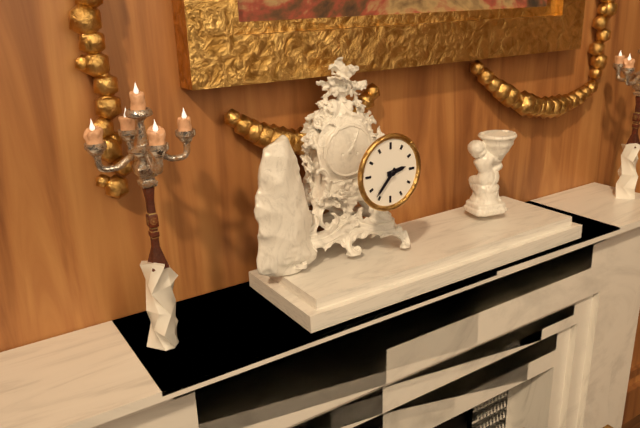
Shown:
2 h 37 min
